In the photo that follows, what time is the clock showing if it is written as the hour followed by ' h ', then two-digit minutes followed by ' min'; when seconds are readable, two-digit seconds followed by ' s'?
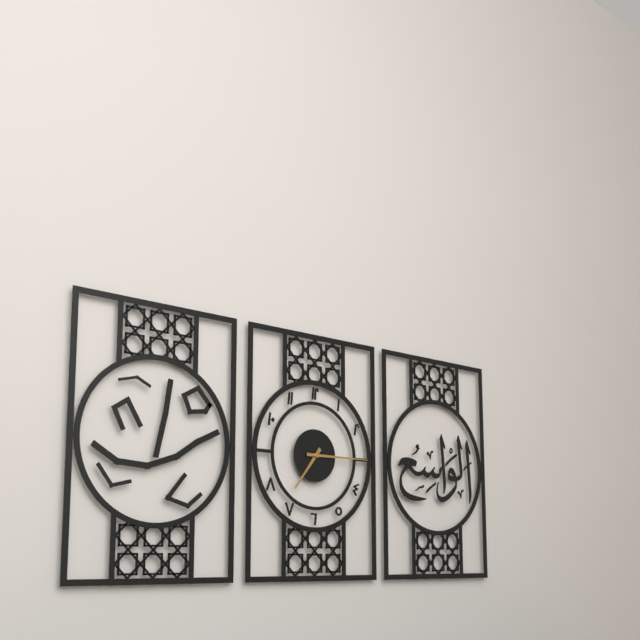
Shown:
7 h 15 min
